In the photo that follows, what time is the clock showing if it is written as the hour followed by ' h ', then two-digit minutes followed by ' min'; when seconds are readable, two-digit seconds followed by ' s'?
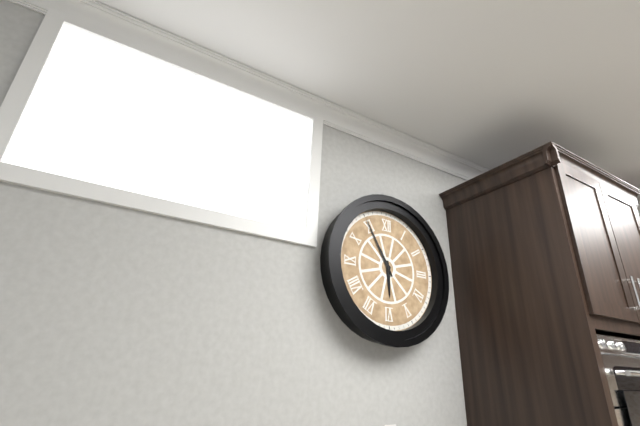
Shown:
5 h 55 min
